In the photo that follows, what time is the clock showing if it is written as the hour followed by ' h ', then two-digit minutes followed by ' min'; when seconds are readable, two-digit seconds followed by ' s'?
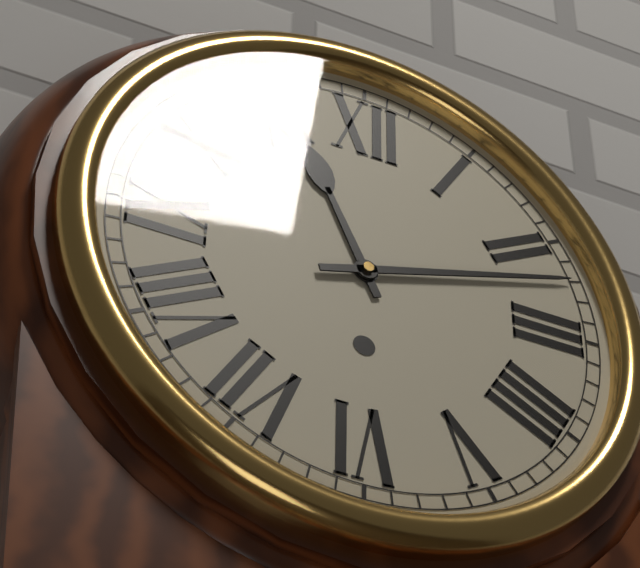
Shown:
11 h 12 min
